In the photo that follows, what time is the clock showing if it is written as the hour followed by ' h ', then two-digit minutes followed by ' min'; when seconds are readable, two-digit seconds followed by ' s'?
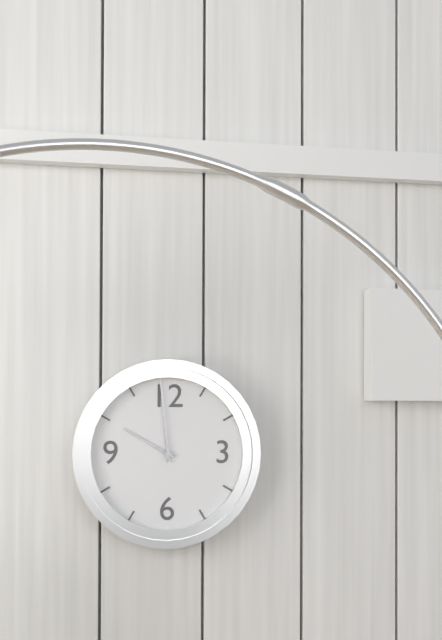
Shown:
9 h 59 min
